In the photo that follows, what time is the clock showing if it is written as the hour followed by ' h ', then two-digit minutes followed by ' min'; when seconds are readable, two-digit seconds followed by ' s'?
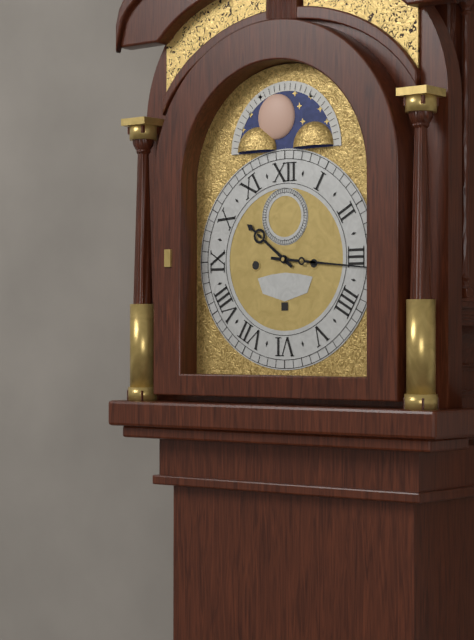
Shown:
10 h 16 min
